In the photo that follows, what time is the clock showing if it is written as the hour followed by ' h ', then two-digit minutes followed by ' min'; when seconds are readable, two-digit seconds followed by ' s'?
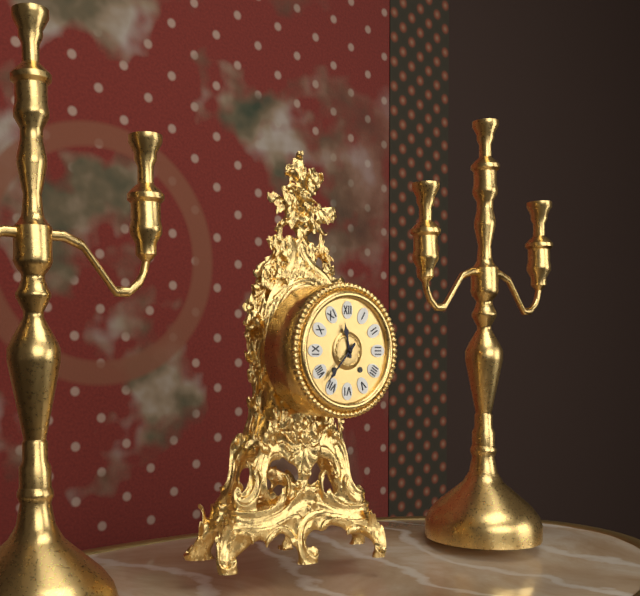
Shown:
11 h 37 min
